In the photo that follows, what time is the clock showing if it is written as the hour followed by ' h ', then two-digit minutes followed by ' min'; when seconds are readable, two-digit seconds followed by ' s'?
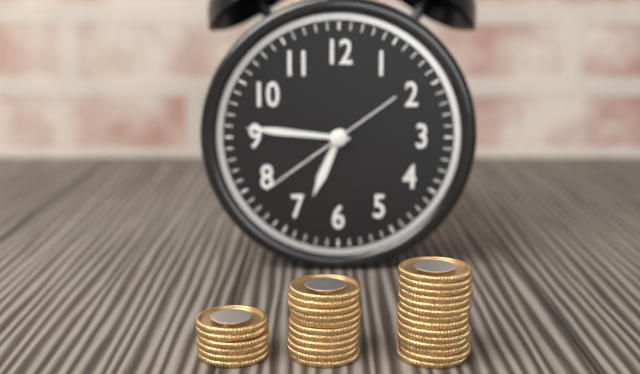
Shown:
6 h 46 min 39 s
